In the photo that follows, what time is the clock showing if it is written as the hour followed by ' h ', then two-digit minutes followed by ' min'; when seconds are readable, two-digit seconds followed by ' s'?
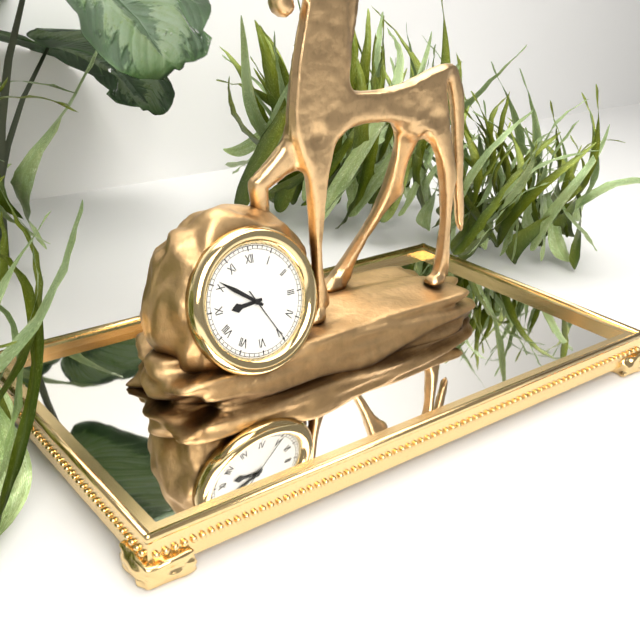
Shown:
8 h 51 min 25 s
